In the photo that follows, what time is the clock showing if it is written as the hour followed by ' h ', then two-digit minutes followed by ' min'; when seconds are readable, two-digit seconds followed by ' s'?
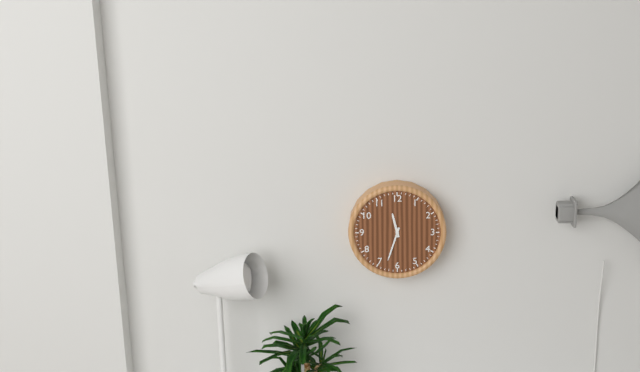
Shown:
11 h 33 min
